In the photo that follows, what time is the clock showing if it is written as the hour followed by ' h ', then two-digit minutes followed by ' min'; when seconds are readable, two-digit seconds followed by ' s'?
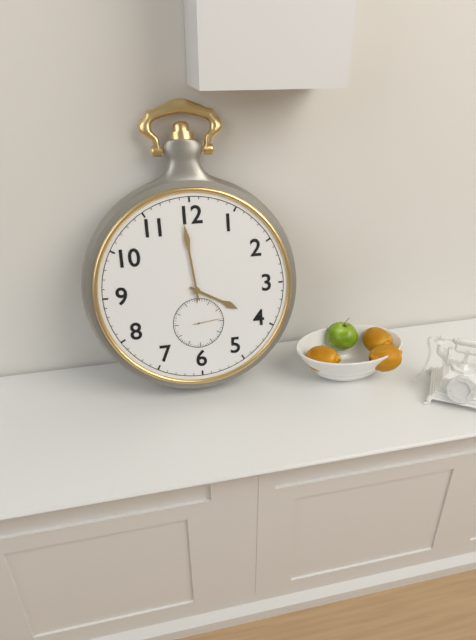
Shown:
3 h 59 min
